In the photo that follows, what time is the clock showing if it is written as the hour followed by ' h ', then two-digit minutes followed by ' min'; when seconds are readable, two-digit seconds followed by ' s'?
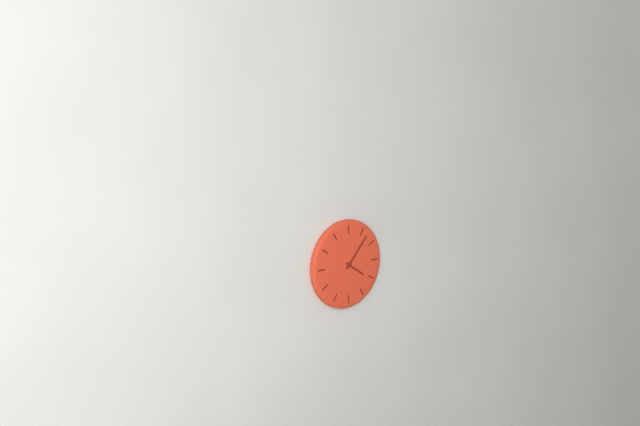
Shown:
4 h 07 min
